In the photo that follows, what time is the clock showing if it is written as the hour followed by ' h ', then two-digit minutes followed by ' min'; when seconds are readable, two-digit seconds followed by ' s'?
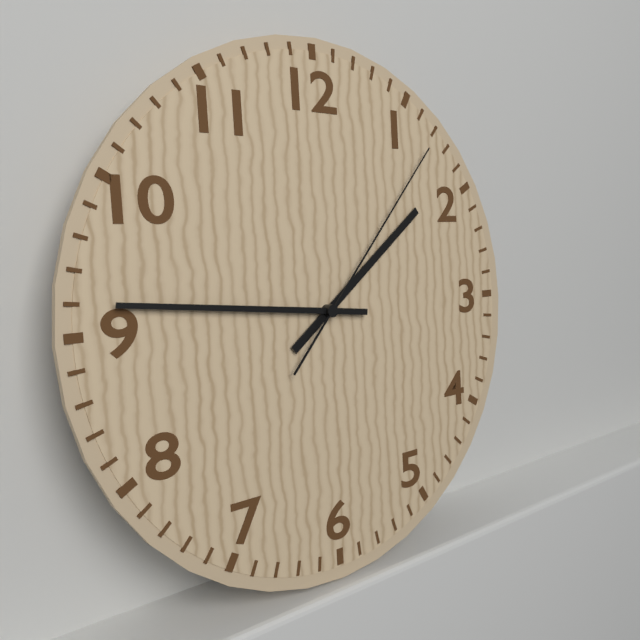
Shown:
1 h 46 min 07 s
